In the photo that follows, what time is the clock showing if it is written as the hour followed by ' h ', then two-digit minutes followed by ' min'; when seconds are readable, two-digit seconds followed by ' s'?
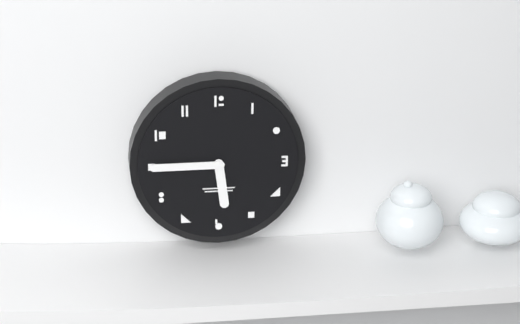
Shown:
5 h 45 min
